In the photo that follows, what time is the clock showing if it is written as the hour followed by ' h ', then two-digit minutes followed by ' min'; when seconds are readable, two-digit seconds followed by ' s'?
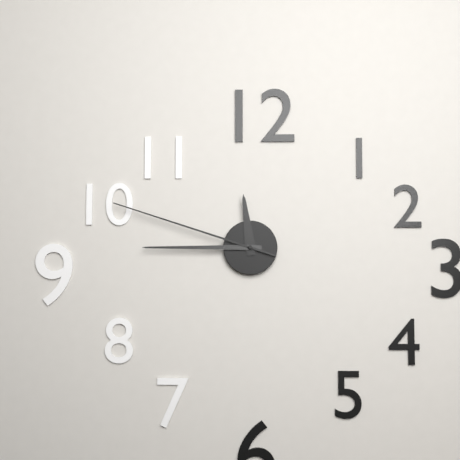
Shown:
11 h 45 min 48 s
